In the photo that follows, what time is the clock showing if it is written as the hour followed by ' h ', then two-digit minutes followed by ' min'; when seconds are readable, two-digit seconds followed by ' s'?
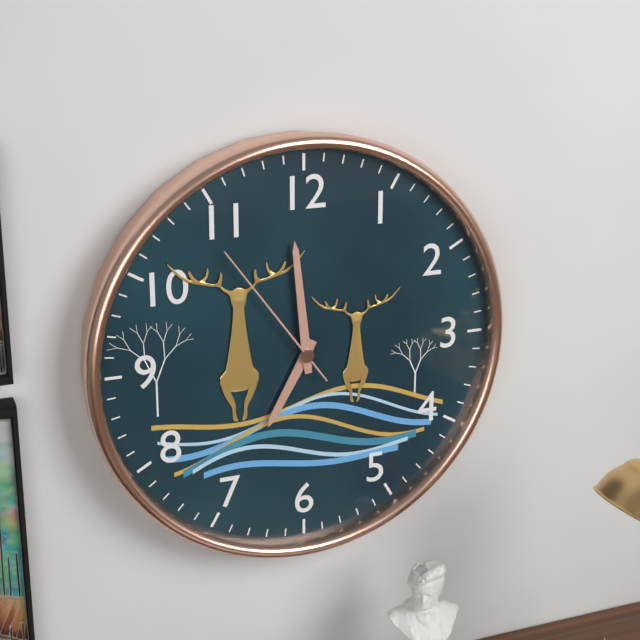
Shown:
6 h 59 min 54 s
